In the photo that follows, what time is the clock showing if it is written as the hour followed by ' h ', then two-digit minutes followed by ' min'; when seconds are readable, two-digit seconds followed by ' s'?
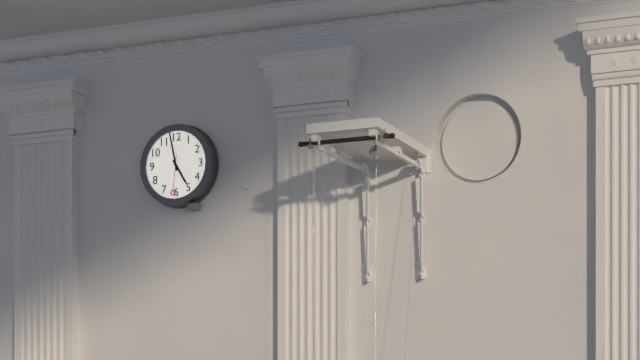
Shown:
4 h 58 min
